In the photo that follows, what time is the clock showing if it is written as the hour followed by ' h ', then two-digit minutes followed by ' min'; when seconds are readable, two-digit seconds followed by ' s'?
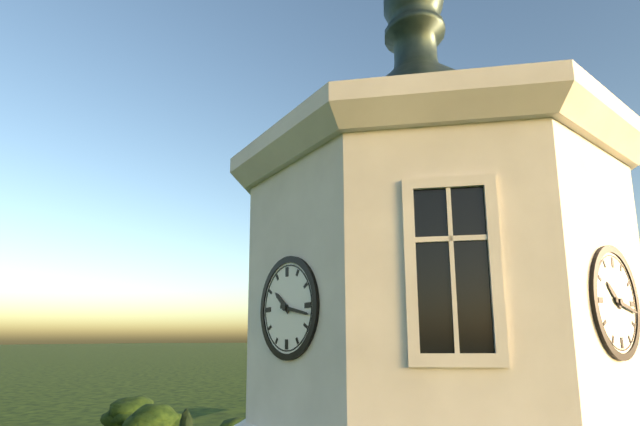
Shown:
10 h 17 min
